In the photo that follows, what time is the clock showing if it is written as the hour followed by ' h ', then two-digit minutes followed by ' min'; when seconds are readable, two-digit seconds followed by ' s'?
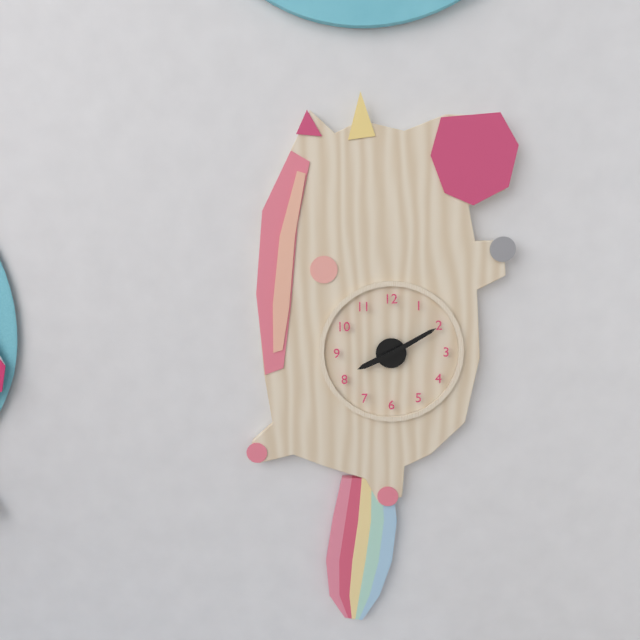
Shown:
8 h 10 min
